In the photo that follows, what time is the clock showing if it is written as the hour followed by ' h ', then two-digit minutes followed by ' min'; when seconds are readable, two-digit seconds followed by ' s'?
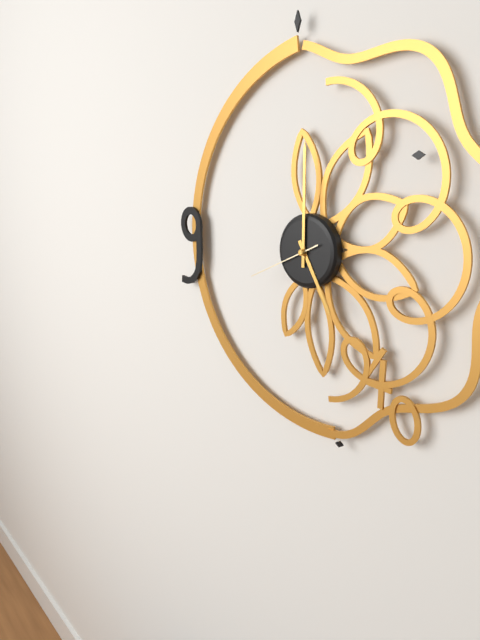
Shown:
5 h 00 min 41 s
